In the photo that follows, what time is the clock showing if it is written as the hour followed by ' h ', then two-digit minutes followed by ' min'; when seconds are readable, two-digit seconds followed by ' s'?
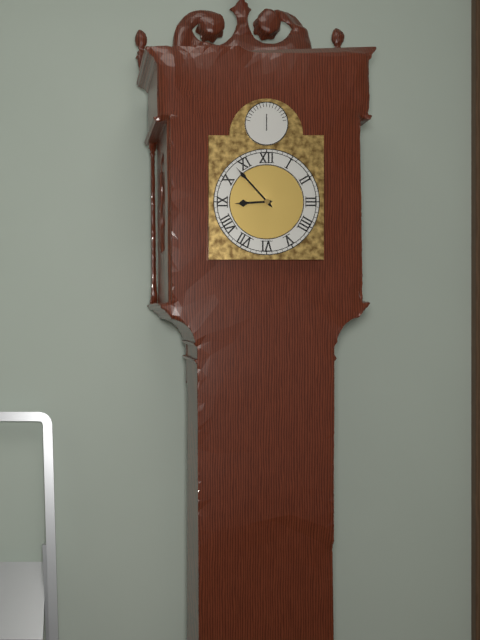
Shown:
8 h 53 min
